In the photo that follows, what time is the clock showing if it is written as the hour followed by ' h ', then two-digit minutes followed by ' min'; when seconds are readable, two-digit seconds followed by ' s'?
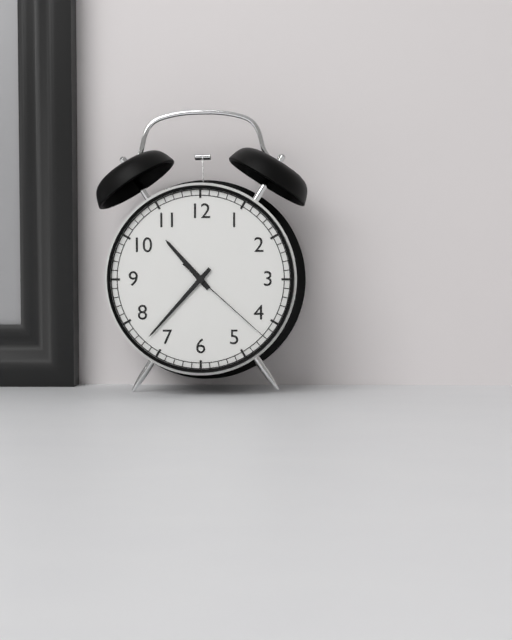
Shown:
10 h 37 min 22 s
